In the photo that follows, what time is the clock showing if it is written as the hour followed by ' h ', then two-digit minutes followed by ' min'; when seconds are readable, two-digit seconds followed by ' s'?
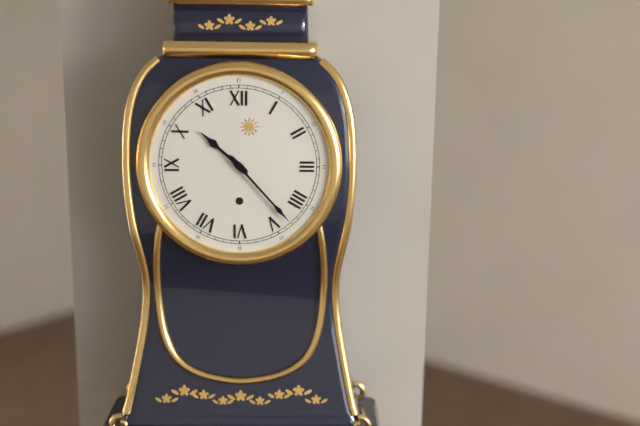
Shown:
10 h 23 min
